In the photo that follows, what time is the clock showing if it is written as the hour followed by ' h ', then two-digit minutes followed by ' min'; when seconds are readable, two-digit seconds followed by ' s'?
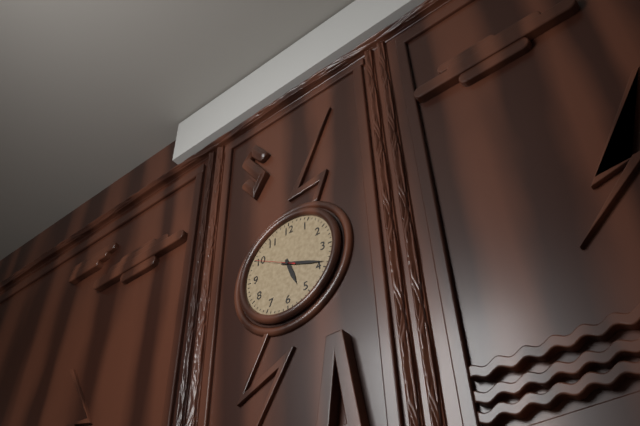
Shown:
5 h 19 min
